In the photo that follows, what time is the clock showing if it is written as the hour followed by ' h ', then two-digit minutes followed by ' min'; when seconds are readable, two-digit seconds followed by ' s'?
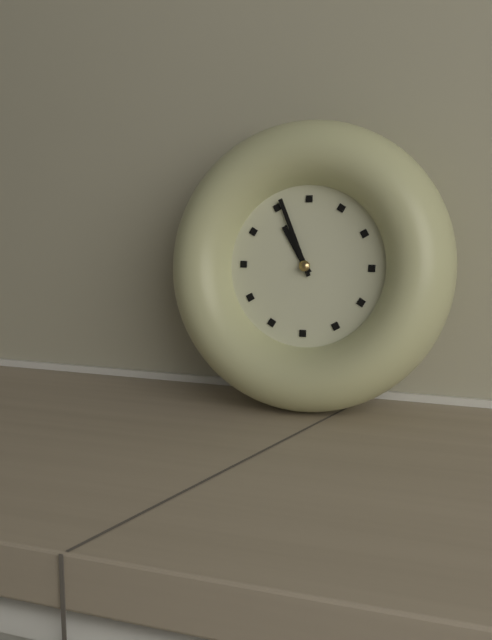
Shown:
10 h 56 min
